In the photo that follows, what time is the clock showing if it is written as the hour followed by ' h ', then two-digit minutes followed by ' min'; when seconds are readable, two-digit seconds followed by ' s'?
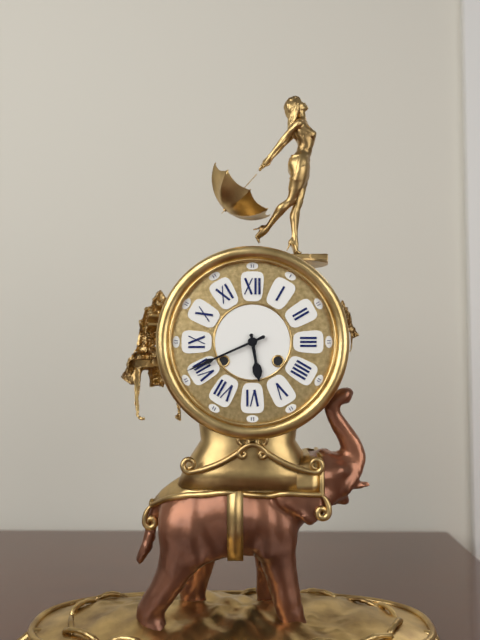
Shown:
5 h 41 min
